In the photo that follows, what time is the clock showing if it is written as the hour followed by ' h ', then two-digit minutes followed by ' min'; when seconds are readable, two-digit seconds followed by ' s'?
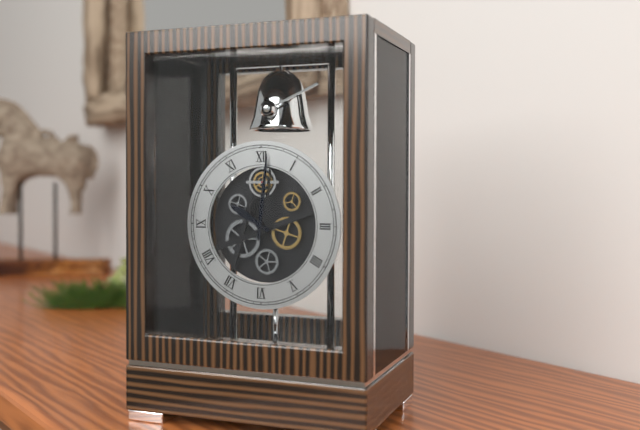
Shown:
10 h 01 min
